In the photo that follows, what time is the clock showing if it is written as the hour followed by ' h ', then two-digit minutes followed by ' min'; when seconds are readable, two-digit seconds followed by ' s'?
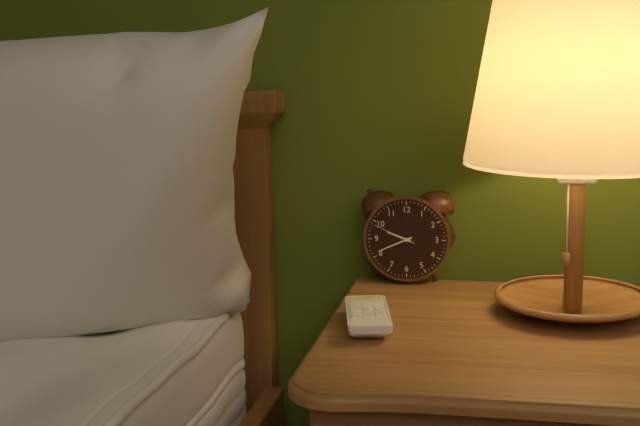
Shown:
9 h 41 min
